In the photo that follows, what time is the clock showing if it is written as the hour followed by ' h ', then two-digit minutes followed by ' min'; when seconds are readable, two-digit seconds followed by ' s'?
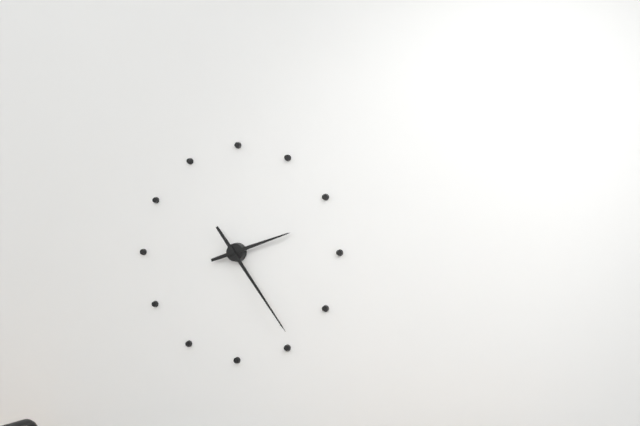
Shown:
2 h 24 min
